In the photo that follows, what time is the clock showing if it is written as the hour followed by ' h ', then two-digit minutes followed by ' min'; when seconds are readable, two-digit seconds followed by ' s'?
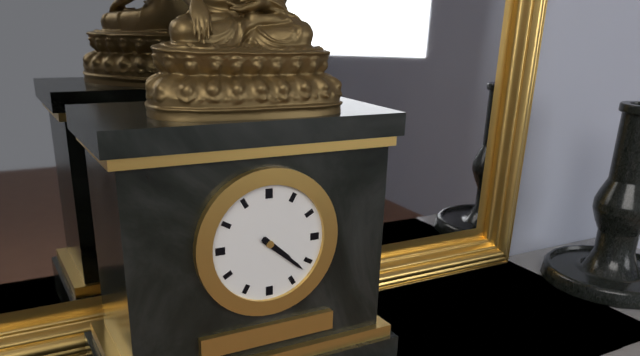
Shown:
4 h 22 min
